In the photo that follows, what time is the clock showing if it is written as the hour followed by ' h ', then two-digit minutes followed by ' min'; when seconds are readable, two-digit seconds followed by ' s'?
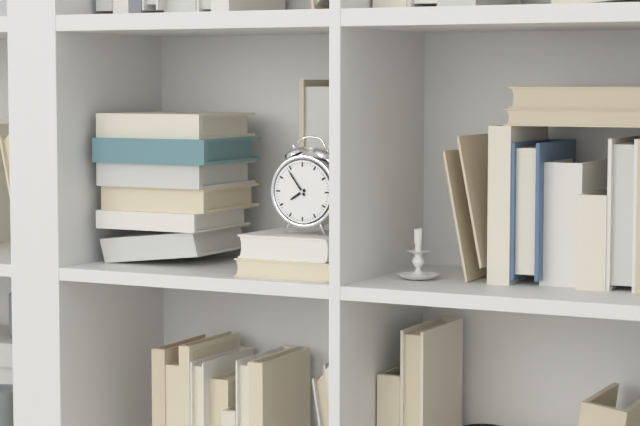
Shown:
7 h 54 min
